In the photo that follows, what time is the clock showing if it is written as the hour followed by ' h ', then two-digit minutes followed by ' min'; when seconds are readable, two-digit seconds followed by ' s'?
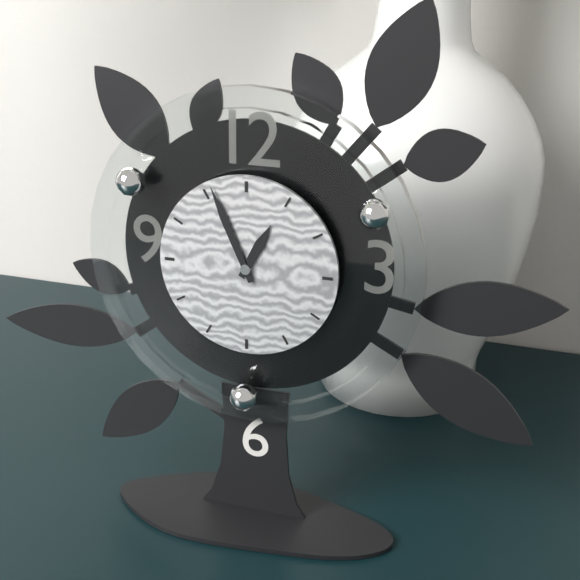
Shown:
12 h 56 min
